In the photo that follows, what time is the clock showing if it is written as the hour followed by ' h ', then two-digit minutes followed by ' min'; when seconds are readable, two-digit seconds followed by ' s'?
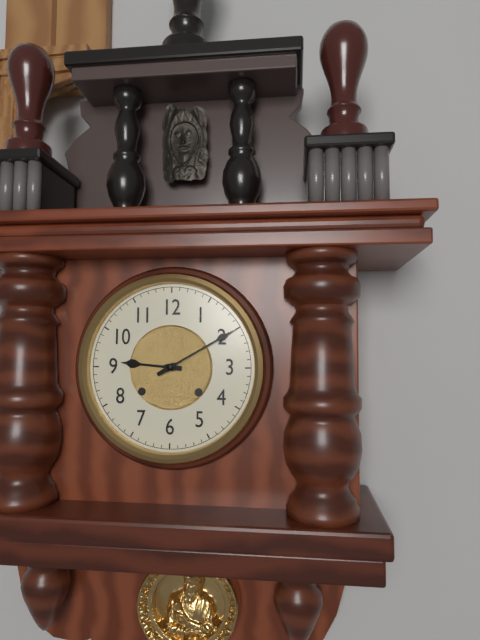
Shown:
9 h 10 min
